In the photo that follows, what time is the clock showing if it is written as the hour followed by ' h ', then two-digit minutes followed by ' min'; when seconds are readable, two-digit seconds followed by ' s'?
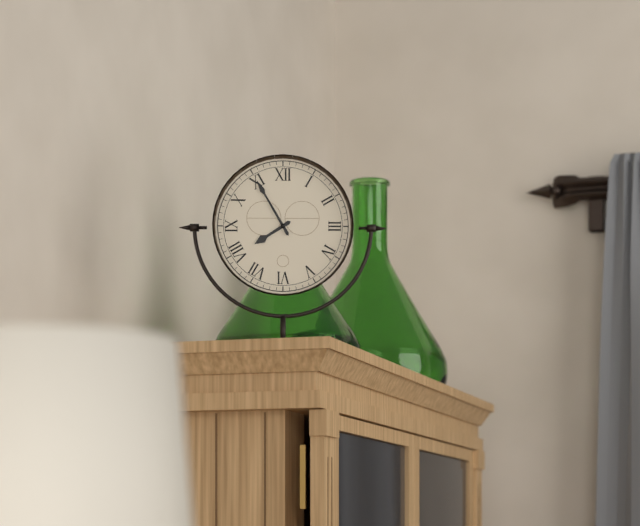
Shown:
7 h 55 min
